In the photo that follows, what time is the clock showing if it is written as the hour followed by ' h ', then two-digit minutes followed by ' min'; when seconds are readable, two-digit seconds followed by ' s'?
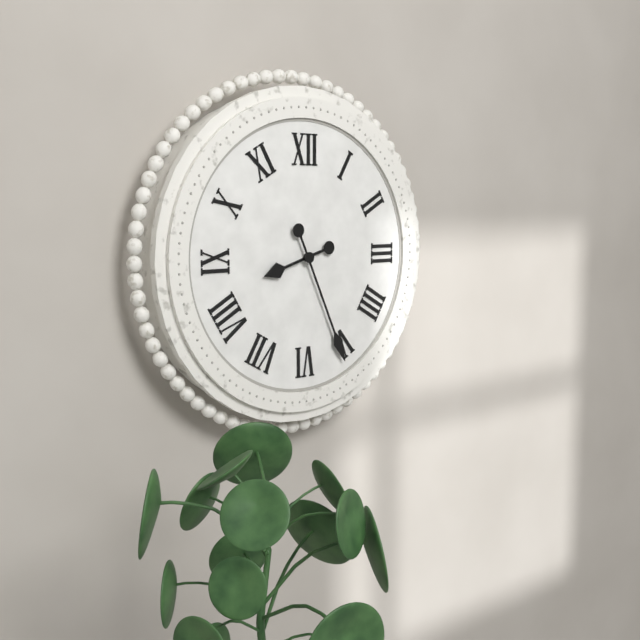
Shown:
8 h 26 min
